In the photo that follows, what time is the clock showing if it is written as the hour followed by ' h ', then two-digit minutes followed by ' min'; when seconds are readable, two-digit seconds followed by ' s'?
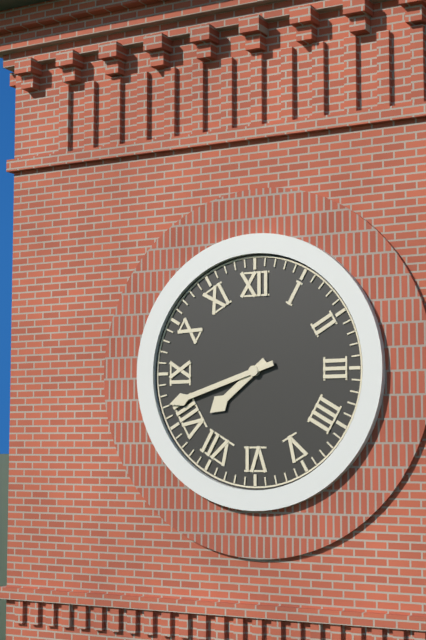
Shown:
7 h 42 min
